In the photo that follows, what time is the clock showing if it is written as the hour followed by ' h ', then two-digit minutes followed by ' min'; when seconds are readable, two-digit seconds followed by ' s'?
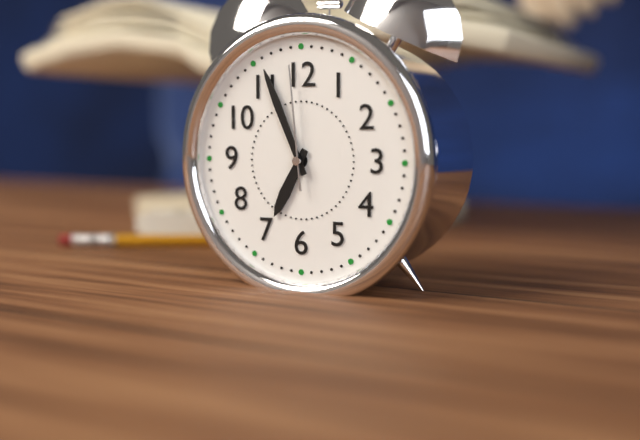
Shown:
6 h 56 min 59 s
